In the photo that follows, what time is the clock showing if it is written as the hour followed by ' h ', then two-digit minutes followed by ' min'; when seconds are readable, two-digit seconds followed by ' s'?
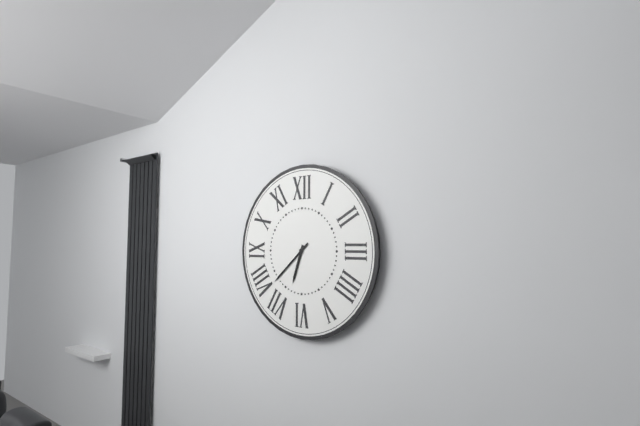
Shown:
6 h 38 min
